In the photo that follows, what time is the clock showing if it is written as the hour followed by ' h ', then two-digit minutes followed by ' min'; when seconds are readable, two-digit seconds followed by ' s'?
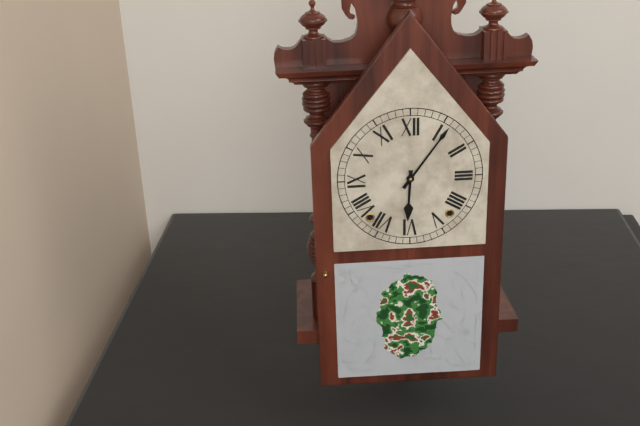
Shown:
6 h 06 min
